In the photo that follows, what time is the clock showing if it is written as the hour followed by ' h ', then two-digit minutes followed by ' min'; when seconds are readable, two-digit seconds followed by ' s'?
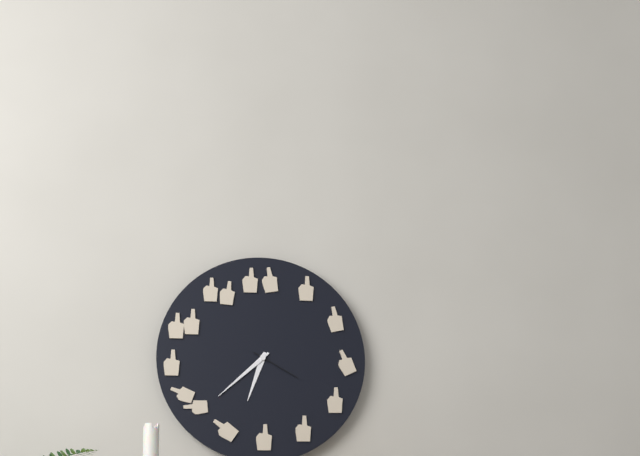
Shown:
6 h 38 min 20 s
